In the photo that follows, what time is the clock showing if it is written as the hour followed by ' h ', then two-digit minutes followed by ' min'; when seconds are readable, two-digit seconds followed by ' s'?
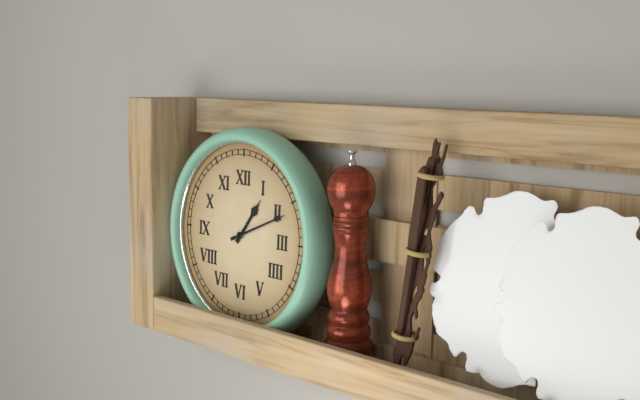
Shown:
1 h 11 min
